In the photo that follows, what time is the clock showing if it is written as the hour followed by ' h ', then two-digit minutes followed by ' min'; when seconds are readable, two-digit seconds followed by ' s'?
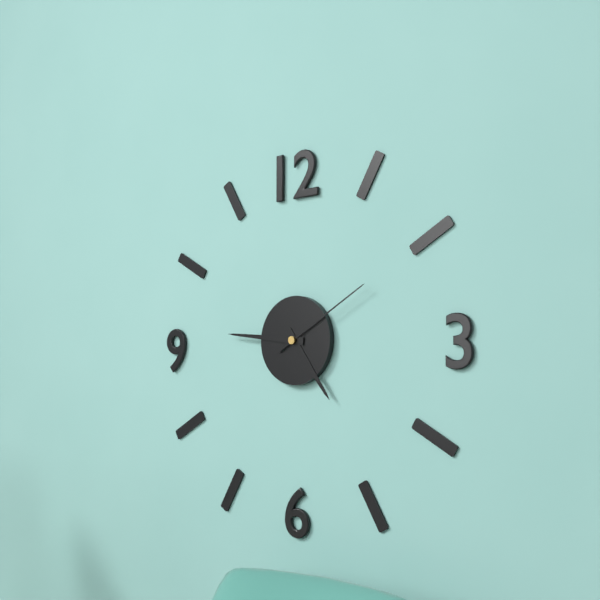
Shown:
4 h 46 min 10 s
